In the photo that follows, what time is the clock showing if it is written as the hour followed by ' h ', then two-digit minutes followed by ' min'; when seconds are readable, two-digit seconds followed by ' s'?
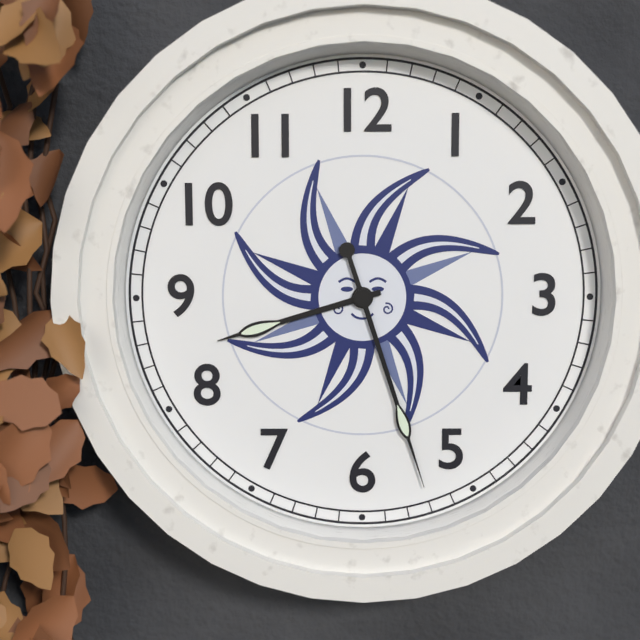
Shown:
8 h 27 min
